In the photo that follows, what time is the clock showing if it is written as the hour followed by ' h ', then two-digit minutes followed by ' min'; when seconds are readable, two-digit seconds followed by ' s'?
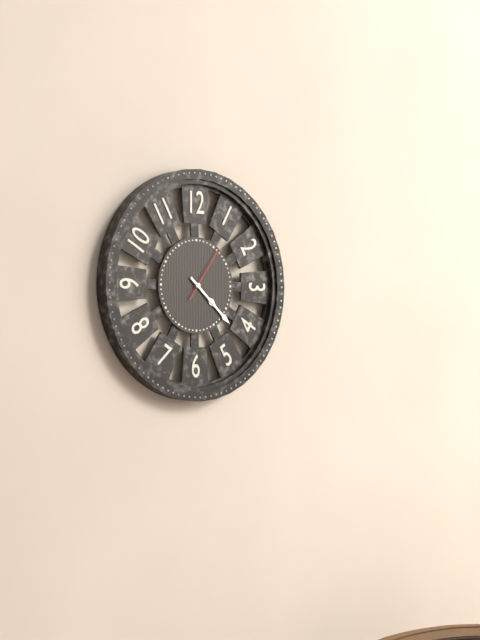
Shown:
4 h 22 min 06 s
